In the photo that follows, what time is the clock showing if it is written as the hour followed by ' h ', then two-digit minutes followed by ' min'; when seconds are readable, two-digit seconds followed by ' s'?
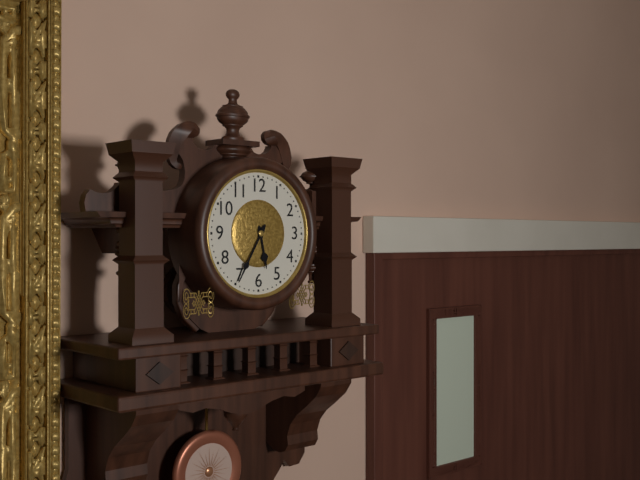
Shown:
5 h 35 min
